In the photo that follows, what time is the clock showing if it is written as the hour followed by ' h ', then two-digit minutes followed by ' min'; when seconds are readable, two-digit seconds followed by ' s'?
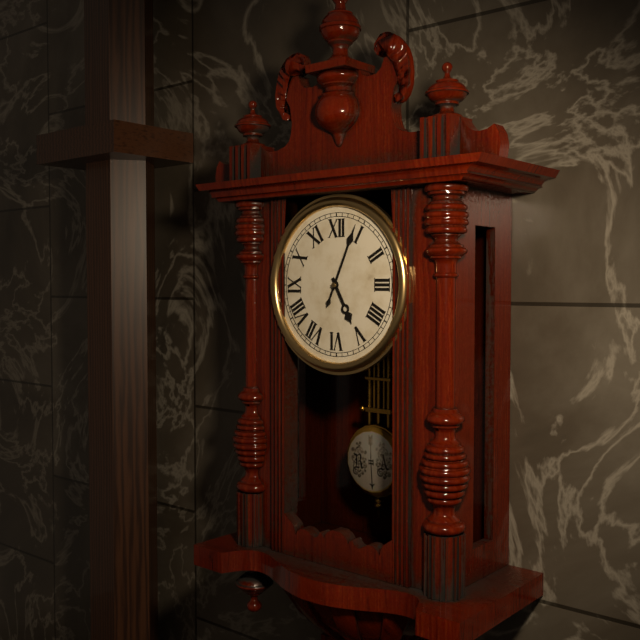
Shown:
5 h 04 min
